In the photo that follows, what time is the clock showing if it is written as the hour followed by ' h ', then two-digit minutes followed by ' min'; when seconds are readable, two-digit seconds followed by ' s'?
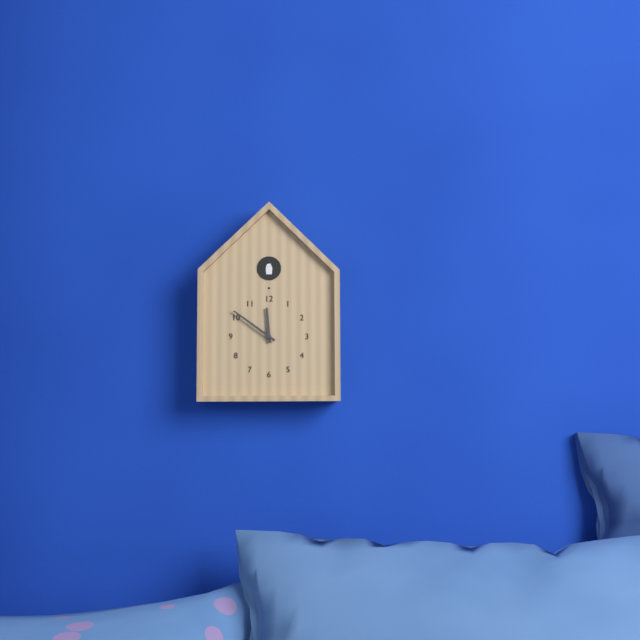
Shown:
11 h 51 min
